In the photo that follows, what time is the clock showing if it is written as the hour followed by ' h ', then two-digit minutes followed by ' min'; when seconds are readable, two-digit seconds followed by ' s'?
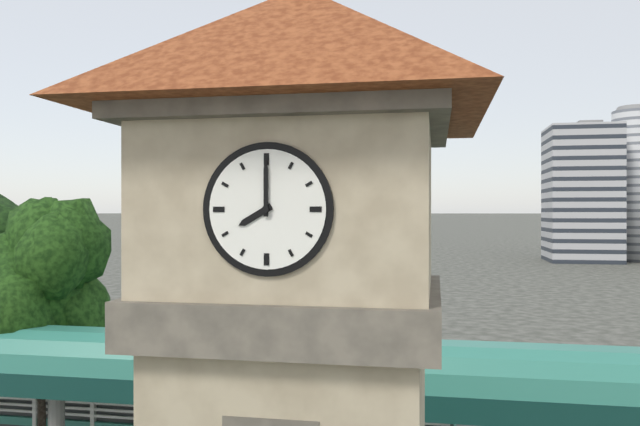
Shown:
8 h 00 min
